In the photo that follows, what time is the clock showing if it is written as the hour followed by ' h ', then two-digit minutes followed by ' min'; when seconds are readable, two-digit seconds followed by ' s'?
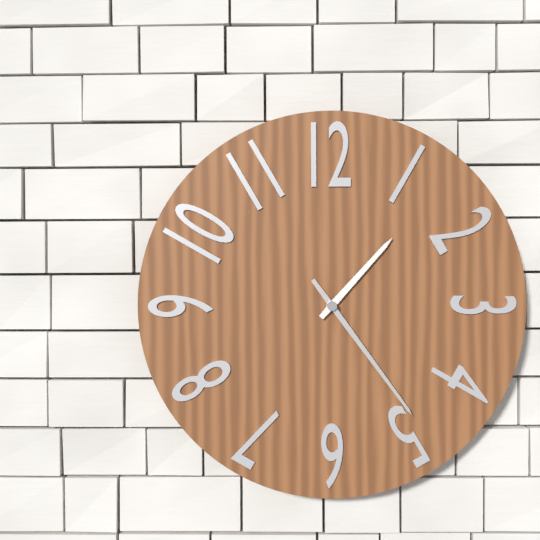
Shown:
1 h 24 min
